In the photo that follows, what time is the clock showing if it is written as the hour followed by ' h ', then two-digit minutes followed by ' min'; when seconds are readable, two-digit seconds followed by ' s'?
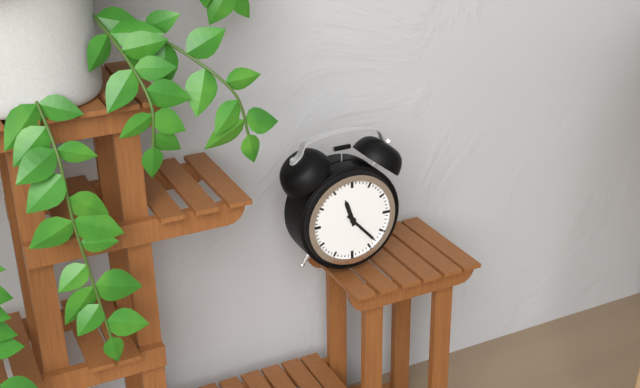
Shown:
11 h 23 min
